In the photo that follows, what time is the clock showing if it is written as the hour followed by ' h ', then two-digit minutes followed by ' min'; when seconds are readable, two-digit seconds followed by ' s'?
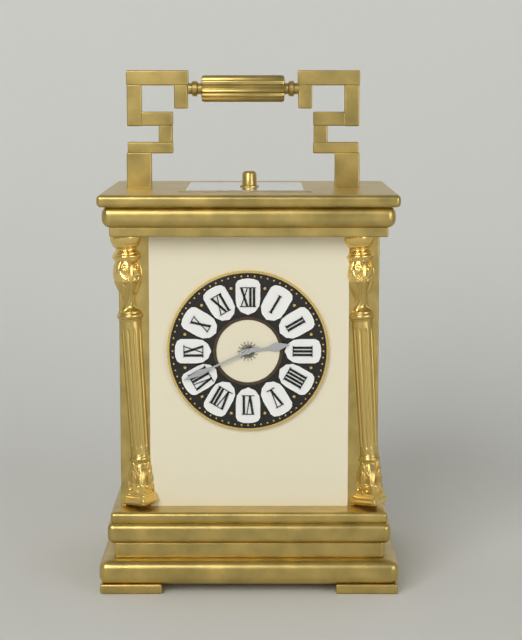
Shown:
2 h 41 min
